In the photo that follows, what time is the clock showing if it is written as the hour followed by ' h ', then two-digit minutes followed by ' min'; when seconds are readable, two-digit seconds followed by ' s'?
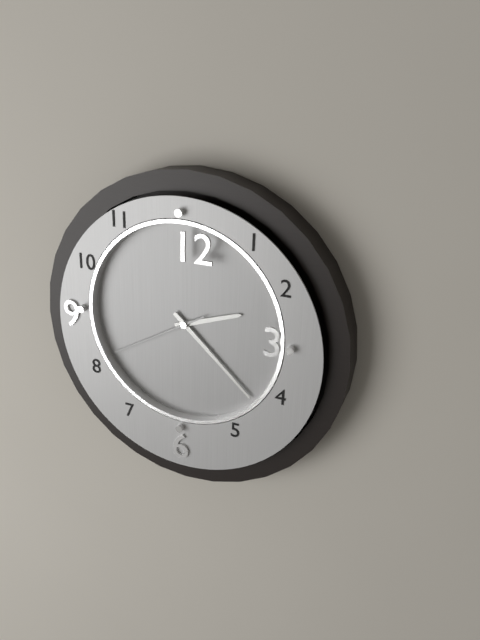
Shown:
2 h 22 min 40 s
